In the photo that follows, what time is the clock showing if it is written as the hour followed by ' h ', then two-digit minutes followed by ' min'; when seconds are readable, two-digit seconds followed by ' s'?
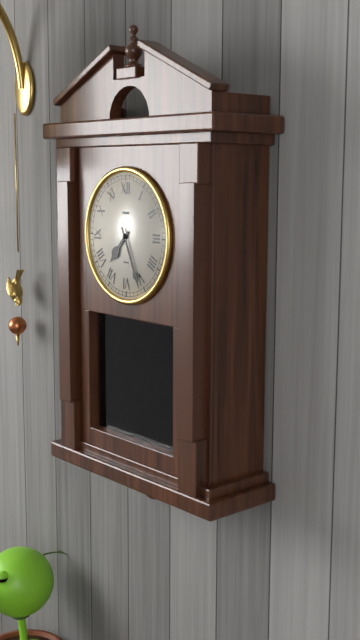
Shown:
7 h 26 min
